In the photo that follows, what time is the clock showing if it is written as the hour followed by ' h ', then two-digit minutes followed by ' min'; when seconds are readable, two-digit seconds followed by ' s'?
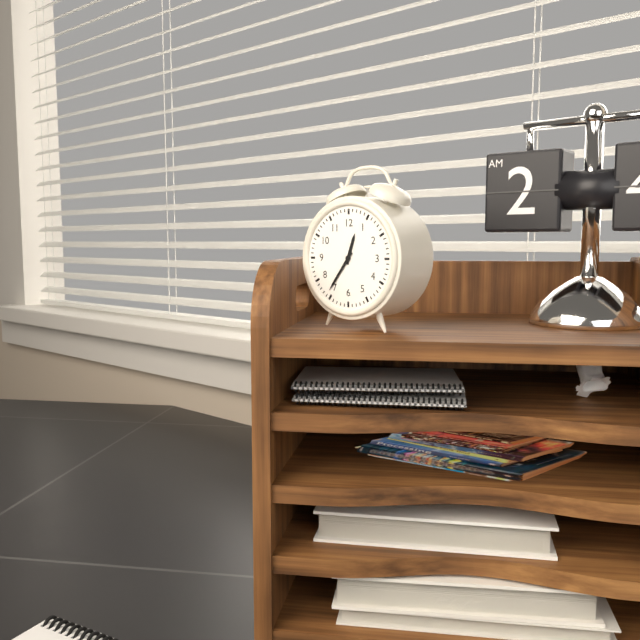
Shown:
12 h 36 min
